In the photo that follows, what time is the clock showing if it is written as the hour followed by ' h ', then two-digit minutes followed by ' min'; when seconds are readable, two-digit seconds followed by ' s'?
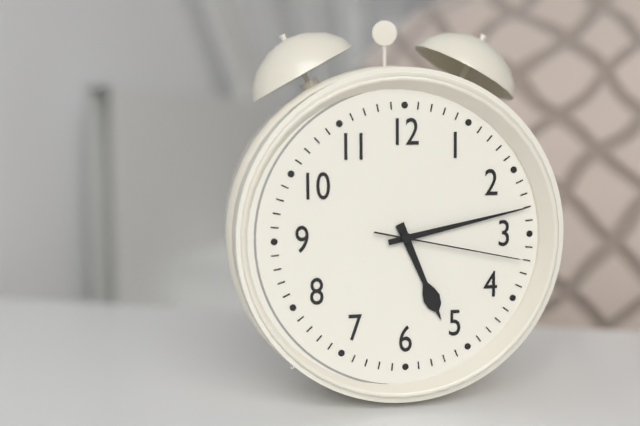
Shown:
5 h 13 min 17 s
